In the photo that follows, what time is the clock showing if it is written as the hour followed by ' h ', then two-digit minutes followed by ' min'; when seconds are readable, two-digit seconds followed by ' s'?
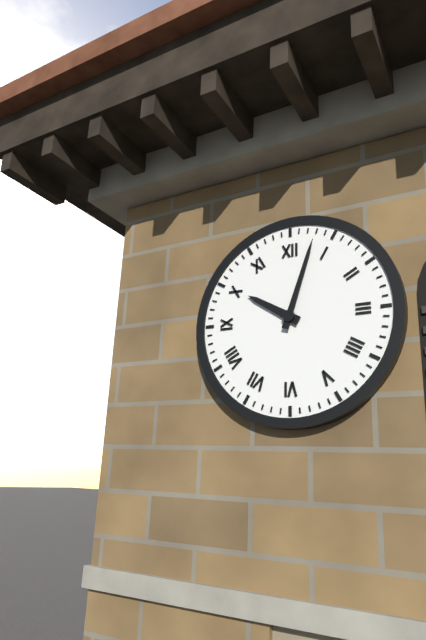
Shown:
10 h 03 min
